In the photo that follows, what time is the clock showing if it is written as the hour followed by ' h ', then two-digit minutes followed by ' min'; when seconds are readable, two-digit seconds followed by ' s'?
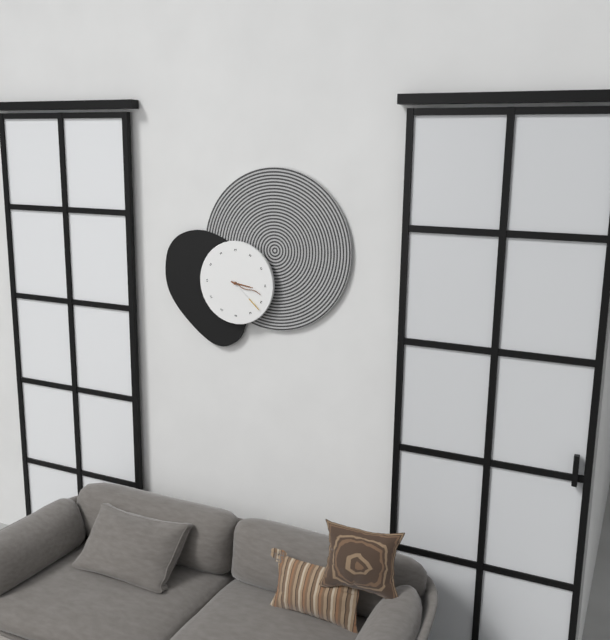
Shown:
3 h 18 min
